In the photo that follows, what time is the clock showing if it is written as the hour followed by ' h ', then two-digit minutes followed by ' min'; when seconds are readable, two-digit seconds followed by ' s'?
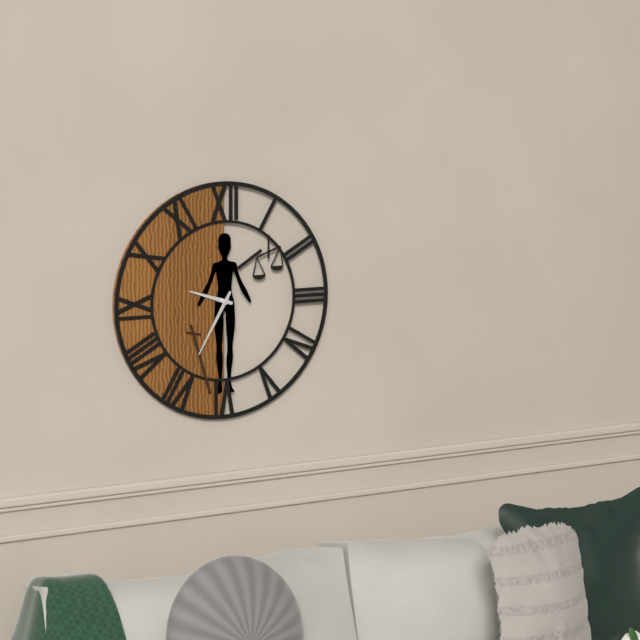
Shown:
9 h 35 min
